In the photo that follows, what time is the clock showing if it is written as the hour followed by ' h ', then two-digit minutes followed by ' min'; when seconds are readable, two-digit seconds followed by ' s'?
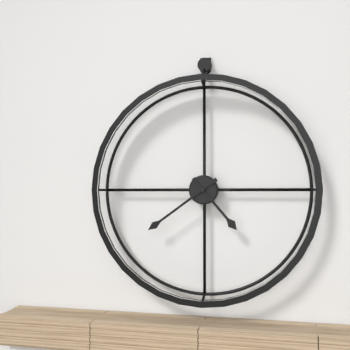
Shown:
4 h 39 min
